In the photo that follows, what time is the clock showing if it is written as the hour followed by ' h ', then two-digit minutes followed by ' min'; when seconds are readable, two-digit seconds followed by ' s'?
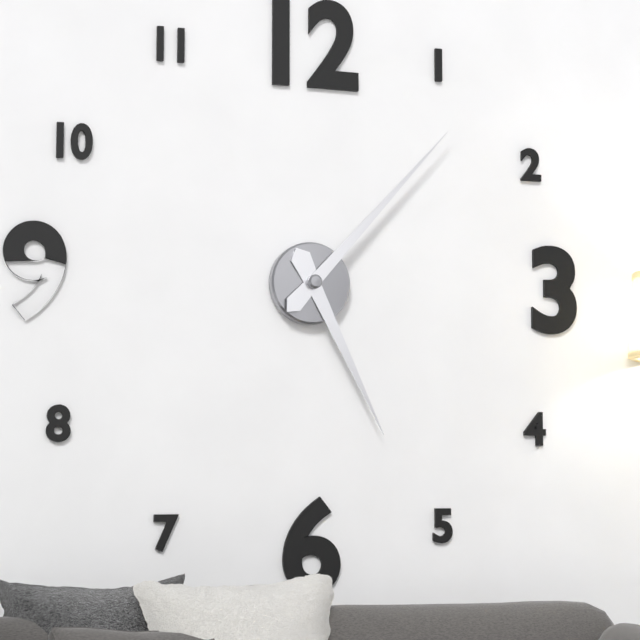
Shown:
5 h 07 min
